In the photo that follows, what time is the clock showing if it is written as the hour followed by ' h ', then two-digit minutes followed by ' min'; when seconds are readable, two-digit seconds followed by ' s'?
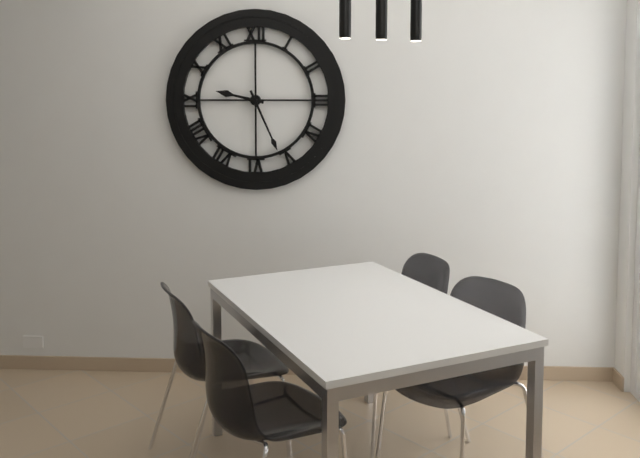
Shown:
9 h 26 min
